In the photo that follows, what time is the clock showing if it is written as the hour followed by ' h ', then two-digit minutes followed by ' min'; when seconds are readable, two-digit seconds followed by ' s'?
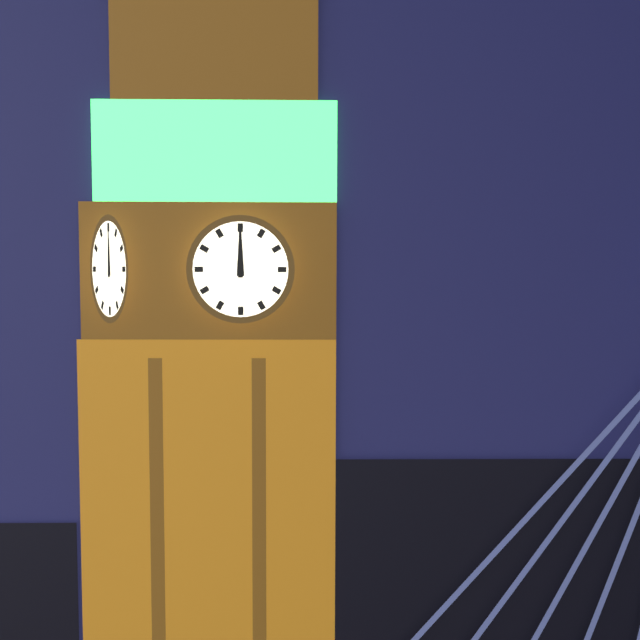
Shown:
12 h 00 min
